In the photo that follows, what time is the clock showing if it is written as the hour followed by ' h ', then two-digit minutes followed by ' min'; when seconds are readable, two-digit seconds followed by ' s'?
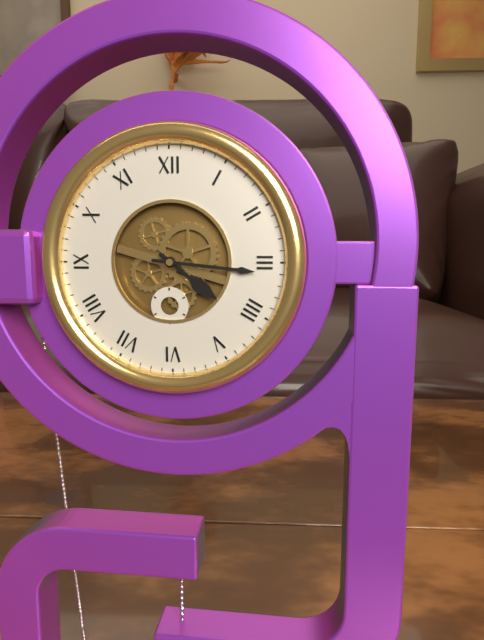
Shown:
4 h 16 min
